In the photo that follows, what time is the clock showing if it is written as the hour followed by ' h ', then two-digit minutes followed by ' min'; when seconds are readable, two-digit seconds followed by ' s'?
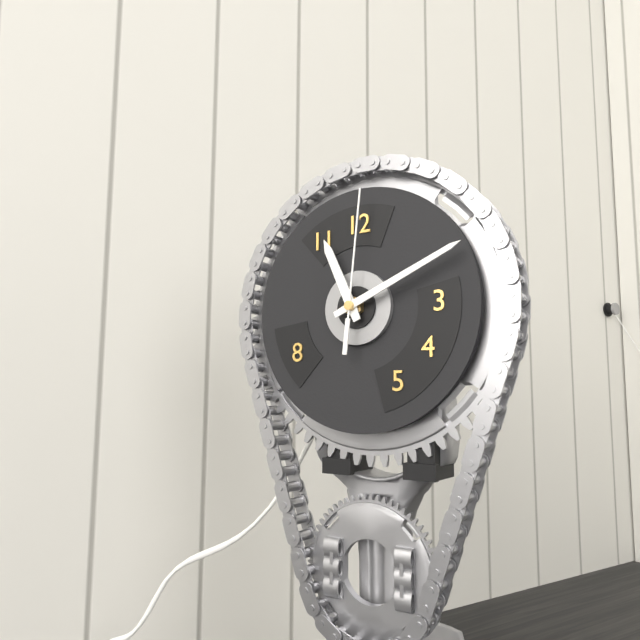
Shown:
11 h 11 min 01 s
